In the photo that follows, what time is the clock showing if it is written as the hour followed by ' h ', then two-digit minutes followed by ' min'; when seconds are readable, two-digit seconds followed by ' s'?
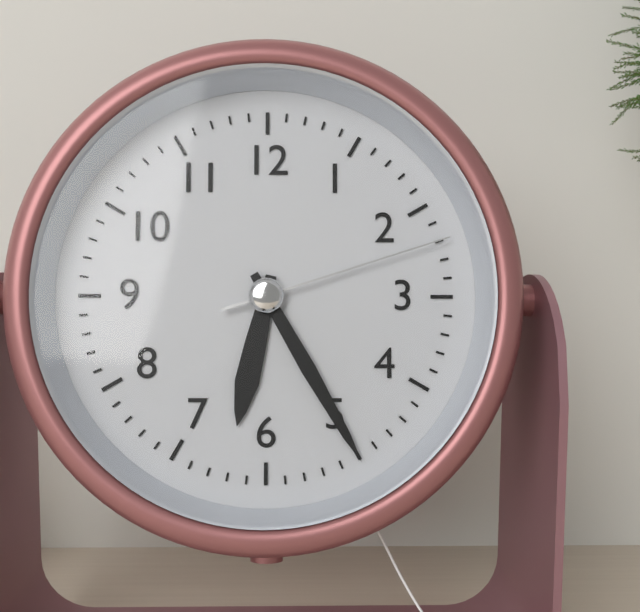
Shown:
6 h 25 min 12 s
